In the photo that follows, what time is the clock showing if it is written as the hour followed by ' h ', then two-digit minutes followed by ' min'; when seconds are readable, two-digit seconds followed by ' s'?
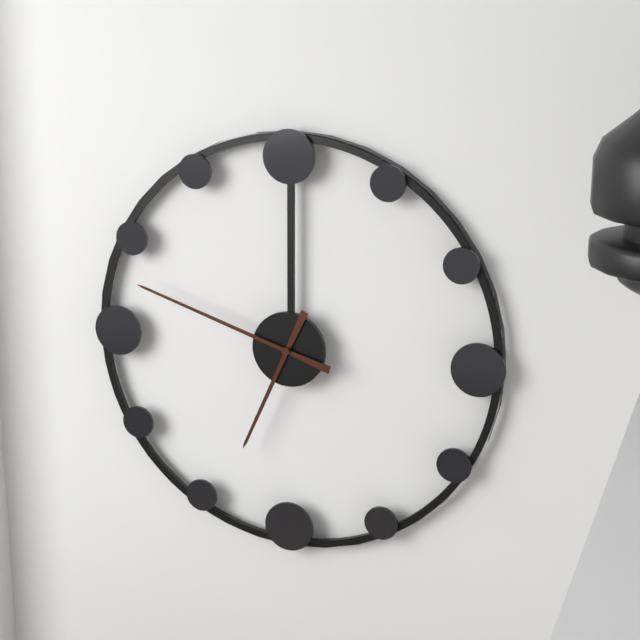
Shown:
6 h 48 min
